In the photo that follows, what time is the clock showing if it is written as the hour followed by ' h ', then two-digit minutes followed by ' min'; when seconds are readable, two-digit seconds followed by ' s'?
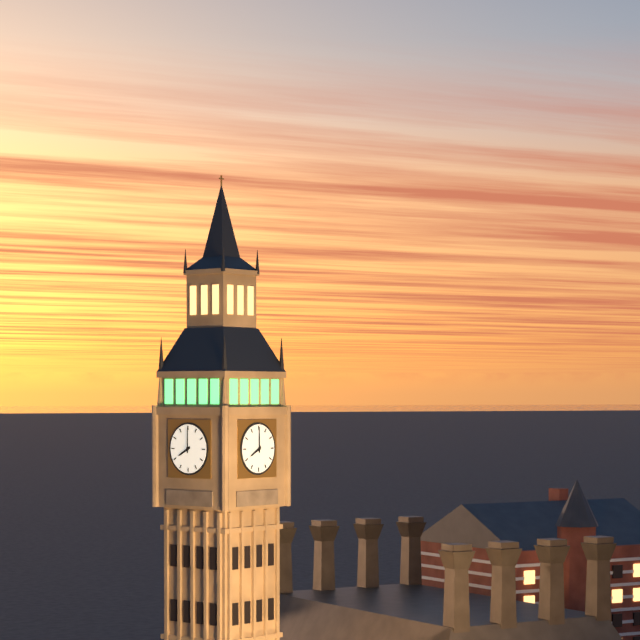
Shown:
8 h 00 min
